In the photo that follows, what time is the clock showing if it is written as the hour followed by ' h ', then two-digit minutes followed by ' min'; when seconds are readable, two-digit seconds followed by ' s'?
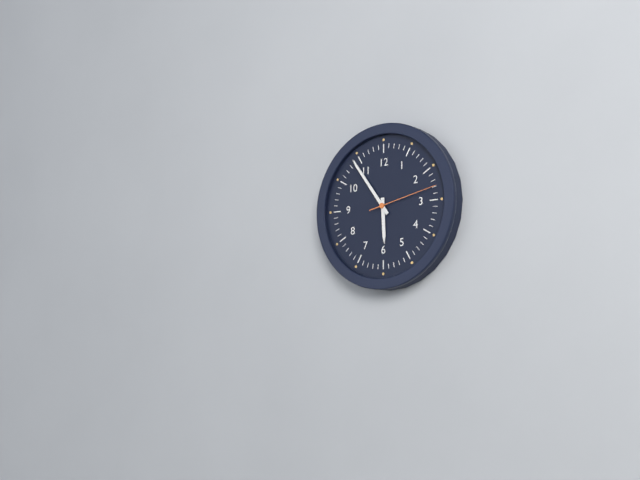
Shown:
5 h 54 min 13 s
